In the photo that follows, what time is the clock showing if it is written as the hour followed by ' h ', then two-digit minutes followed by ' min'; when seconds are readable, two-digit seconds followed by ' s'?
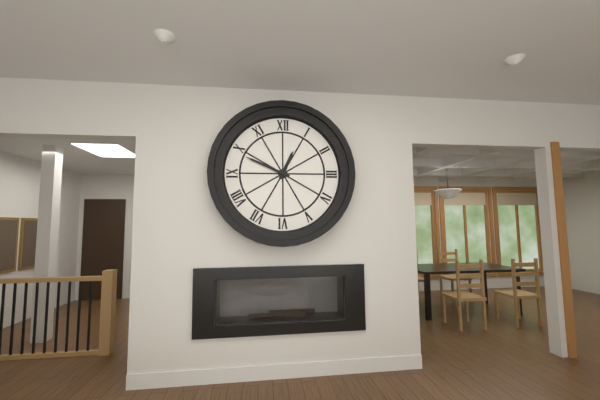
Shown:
12 h 49 min
